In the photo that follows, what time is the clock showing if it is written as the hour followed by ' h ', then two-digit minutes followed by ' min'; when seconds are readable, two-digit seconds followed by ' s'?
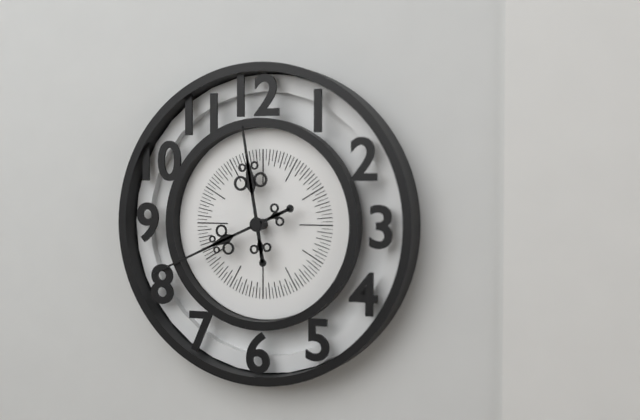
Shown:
11 h 41 min
